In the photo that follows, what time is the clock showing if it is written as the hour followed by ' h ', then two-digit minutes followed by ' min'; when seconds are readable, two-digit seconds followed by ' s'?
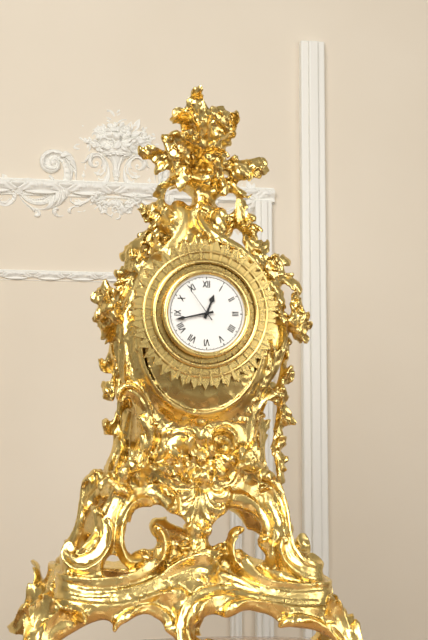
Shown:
12 h 43 min
